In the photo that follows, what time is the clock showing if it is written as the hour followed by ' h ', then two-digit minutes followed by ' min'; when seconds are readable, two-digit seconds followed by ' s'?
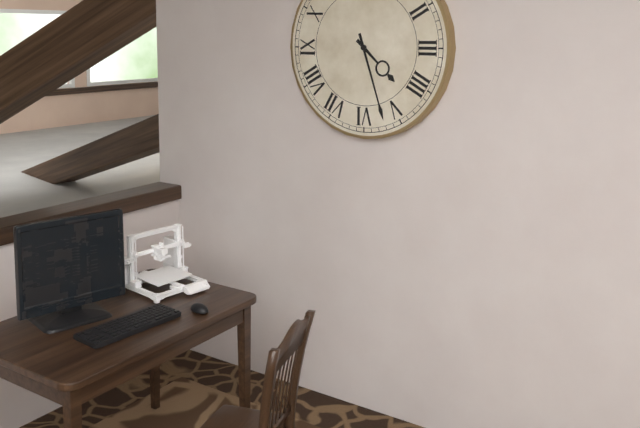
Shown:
4 h 27 min
